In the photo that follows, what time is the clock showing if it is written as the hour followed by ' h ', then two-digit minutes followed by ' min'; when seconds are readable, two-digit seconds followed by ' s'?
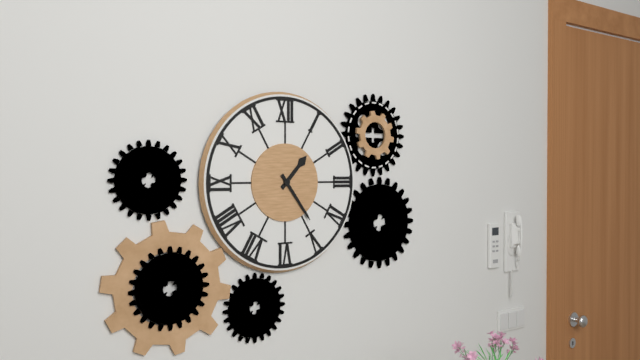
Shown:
1 h 24 min
